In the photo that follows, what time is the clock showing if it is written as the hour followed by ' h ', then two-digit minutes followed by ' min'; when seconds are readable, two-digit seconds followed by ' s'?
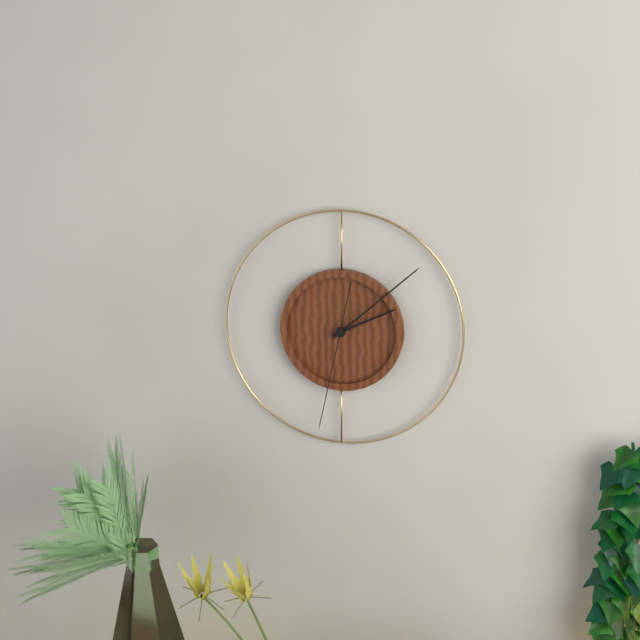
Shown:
2 h 08 min 32 s
